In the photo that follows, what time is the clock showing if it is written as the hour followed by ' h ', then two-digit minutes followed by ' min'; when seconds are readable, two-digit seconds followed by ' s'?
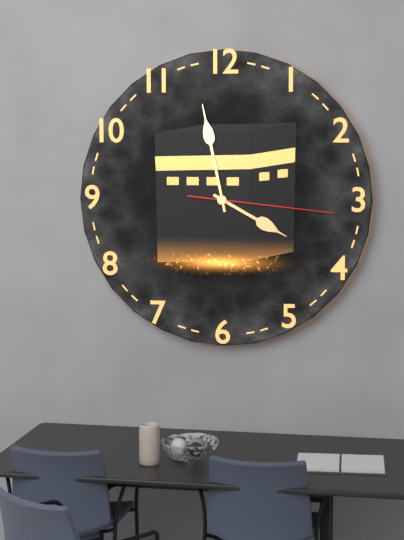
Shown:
3 h 58 min 16 s
